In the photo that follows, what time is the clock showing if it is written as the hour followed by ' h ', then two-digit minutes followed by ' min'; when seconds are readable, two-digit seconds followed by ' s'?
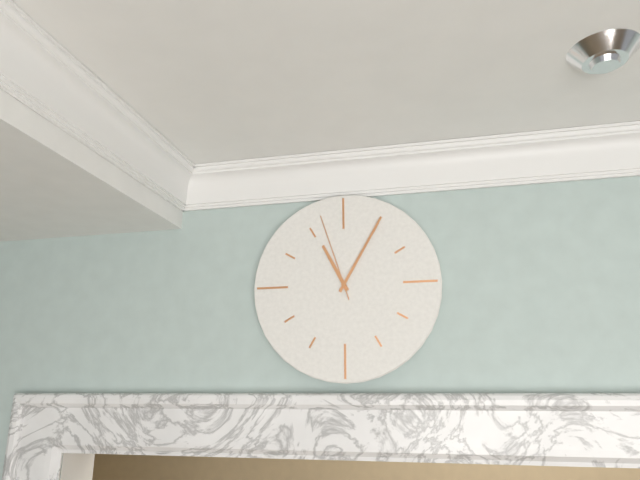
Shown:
11 h 05 min 57 s
